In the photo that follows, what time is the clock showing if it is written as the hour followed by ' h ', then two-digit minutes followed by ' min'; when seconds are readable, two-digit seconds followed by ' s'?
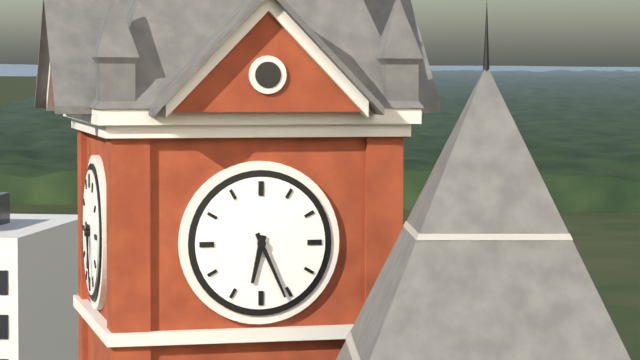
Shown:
6 h 26 min
